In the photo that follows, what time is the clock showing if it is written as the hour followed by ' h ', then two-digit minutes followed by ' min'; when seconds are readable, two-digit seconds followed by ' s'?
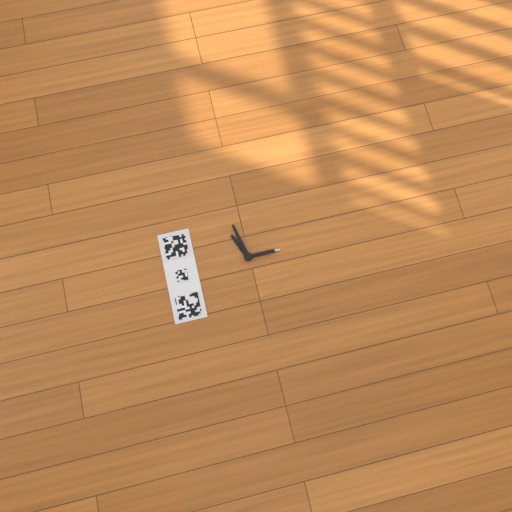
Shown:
2 h 13 min
